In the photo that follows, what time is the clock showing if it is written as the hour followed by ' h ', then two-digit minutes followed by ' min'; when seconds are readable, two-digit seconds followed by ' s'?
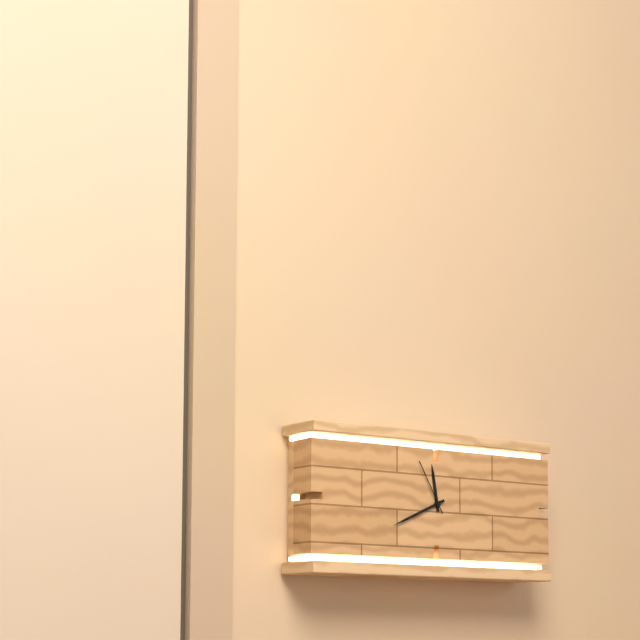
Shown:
11 h 41 min 55 s
